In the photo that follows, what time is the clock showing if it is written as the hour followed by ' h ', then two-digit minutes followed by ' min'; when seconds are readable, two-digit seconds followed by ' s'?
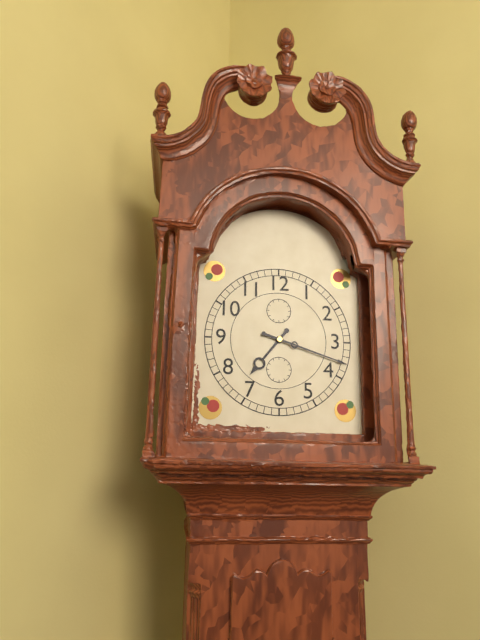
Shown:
7 h 18 min
